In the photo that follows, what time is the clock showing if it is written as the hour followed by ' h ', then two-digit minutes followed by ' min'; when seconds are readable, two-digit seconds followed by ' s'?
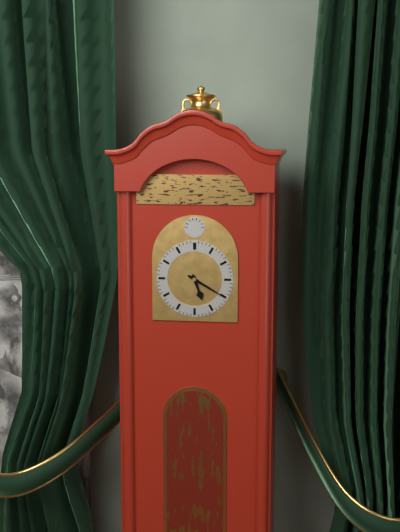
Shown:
5 h 20 min
